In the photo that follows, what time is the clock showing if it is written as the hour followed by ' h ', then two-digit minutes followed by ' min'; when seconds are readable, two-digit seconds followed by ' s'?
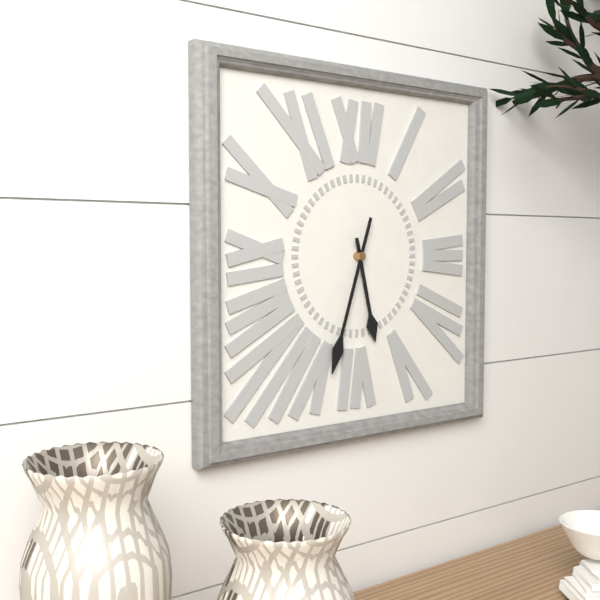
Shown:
5 h 33 min
